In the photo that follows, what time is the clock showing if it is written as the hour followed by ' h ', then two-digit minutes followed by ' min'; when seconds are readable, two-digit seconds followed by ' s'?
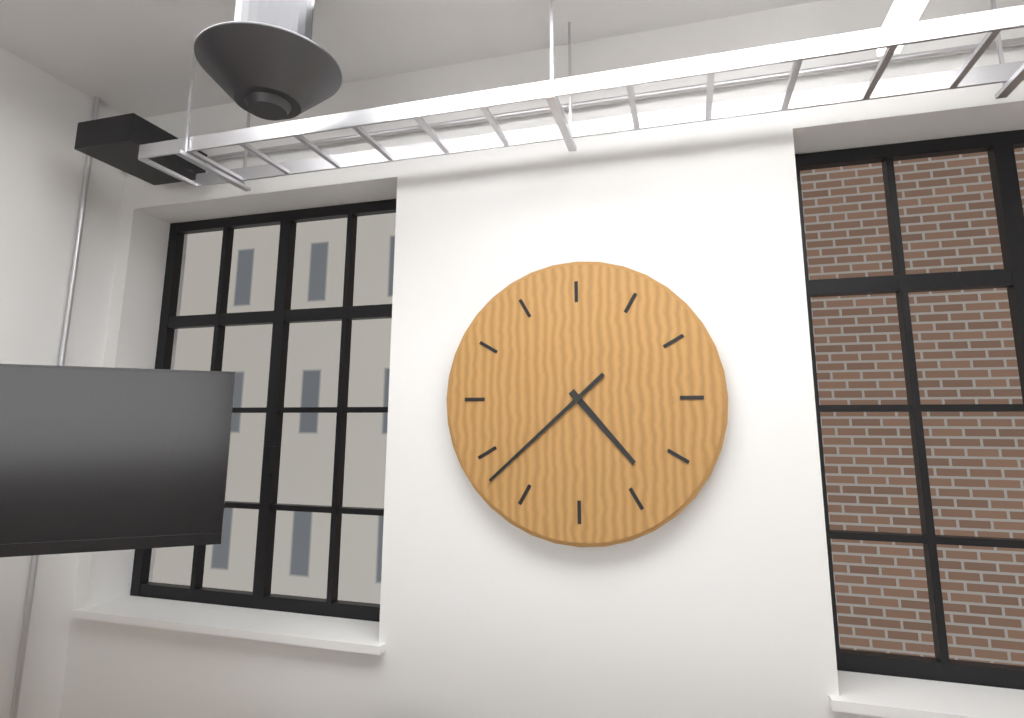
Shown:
4 h 38 min
